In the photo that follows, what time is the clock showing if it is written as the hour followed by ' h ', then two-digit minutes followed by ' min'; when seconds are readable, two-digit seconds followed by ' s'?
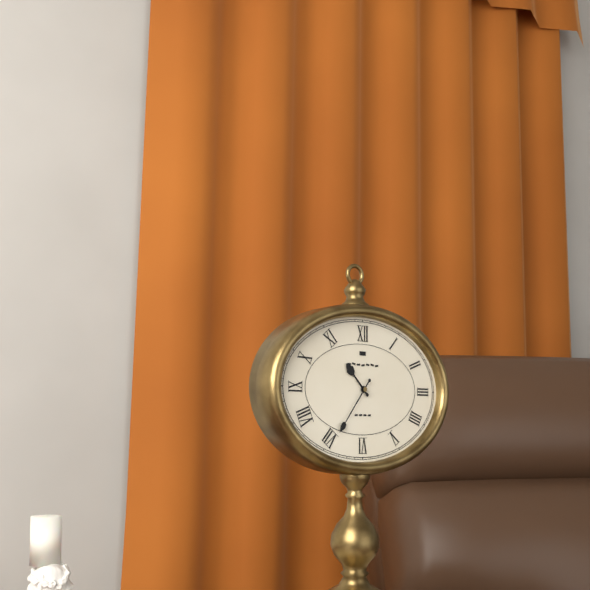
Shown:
10 h 36 min
